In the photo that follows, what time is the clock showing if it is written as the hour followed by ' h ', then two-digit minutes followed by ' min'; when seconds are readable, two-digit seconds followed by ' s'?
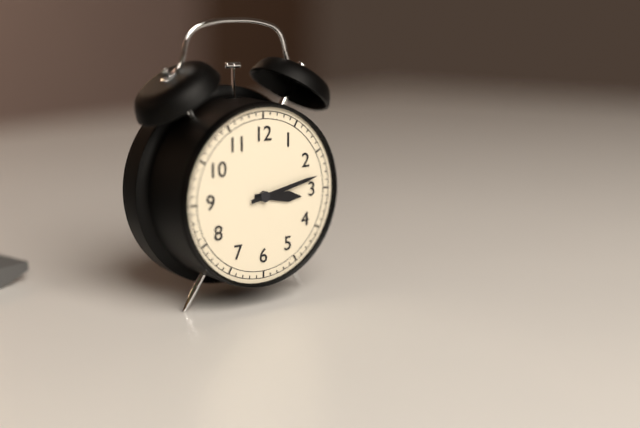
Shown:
3 h 13 min
